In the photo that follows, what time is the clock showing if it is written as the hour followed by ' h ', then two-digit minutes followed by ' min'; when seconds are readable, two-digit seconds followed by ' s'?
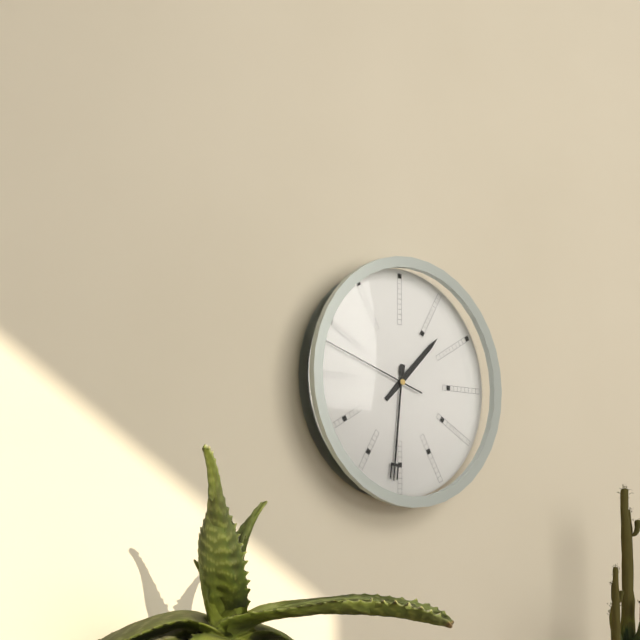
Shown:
1 h 31 min 48 s
